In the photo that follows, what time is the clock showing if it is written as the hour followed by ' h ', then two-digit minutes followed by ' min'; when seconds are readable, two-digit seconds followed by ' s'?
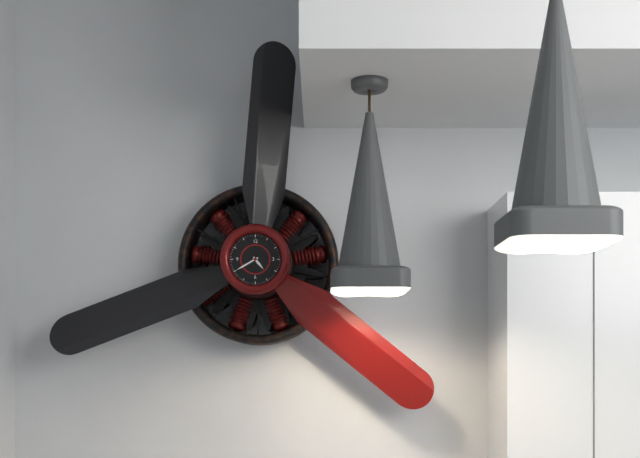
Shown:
4 h 40 min
